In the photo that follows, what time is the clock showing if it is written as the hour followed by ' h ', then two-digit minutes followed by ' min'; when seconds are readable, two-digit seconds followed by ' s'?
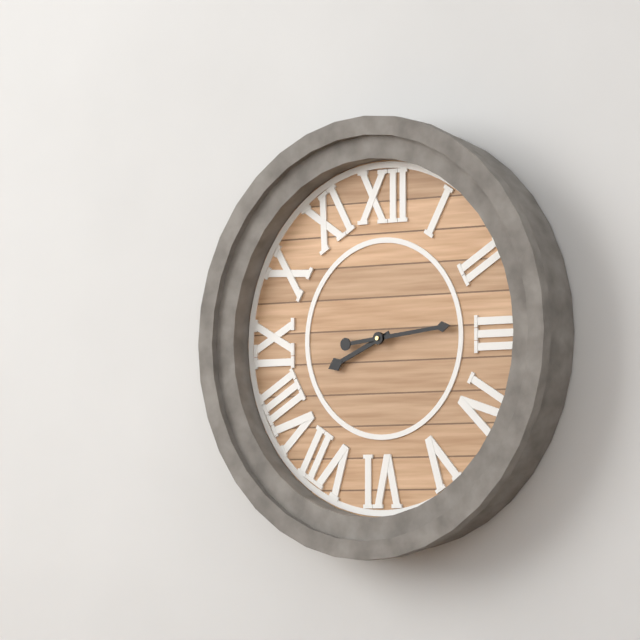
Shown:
8 h 14 min
